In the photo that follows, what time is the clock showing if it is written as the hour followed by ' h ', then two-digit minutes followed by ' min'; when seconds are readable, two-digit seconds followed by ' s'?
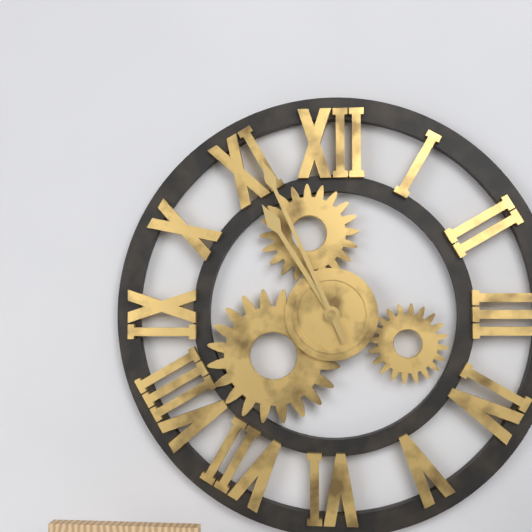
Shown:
10 h 56 min
